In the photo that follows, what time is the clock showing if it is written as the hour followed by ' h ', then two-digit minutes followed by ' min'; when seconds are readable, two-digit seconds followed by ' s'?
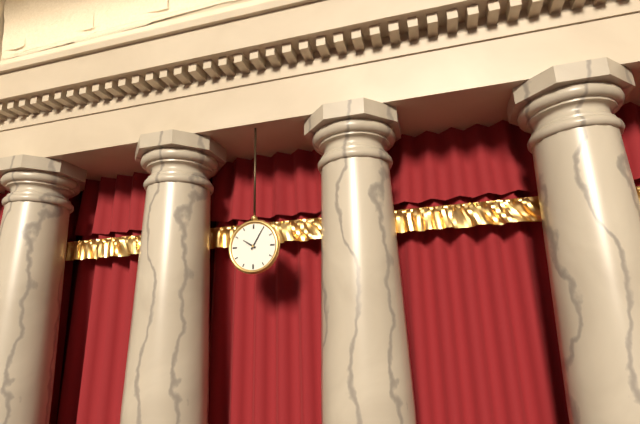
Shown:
10 h 05 min
